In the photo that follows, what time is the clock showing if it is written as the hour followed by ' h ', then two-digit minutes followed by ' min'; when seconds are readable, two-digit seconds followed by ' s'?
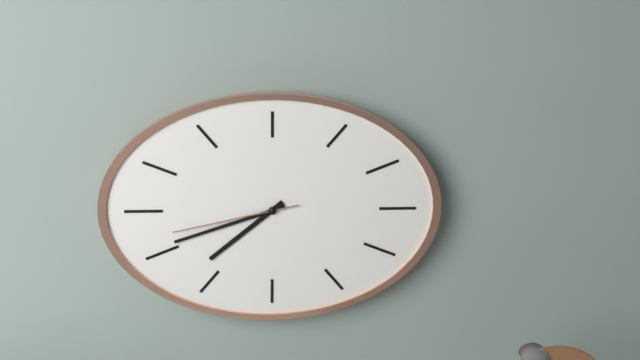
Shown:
7 h 42 min 43 s
